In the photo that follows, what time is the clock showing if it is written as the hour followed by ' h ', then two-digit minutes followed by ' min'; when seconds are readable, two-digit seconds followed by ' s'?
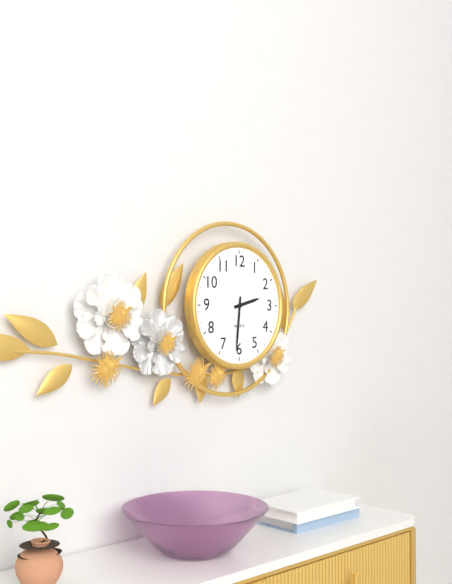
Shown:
2 h 31 min
